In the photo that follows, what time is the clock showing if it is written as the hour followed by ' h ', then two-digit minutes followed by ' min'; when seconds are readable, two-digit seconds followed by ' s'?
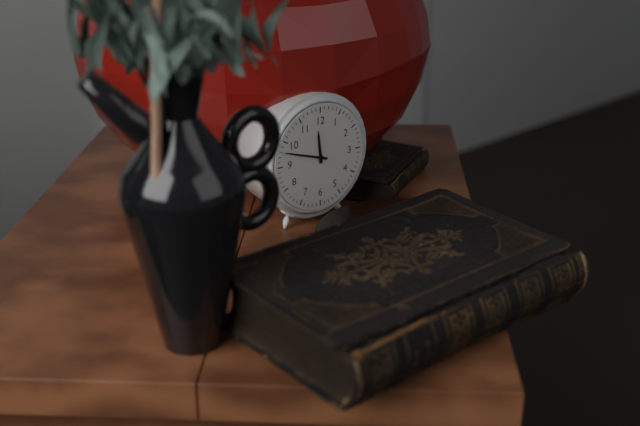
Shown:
11 h 48 min
